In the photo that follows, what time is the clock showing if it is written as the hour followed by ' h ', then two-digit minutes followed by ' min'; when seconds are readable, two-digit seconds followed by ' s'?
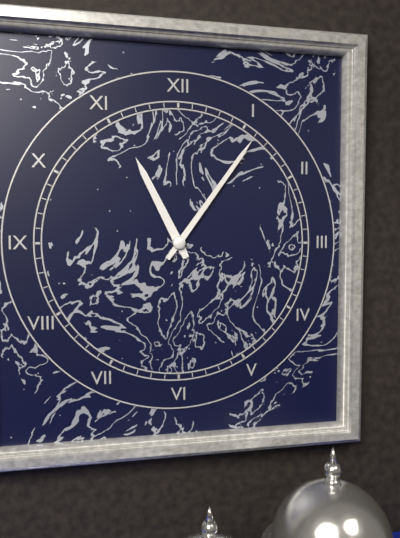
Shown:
11 h 06 min
